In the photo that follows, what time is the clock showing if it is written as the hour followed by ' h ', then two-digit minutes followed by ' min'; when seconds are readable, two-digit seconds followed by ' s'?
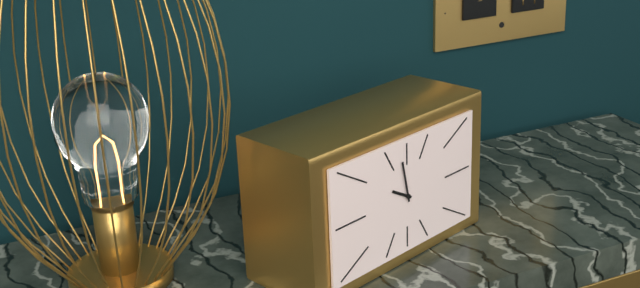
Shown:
9 h 58 min
